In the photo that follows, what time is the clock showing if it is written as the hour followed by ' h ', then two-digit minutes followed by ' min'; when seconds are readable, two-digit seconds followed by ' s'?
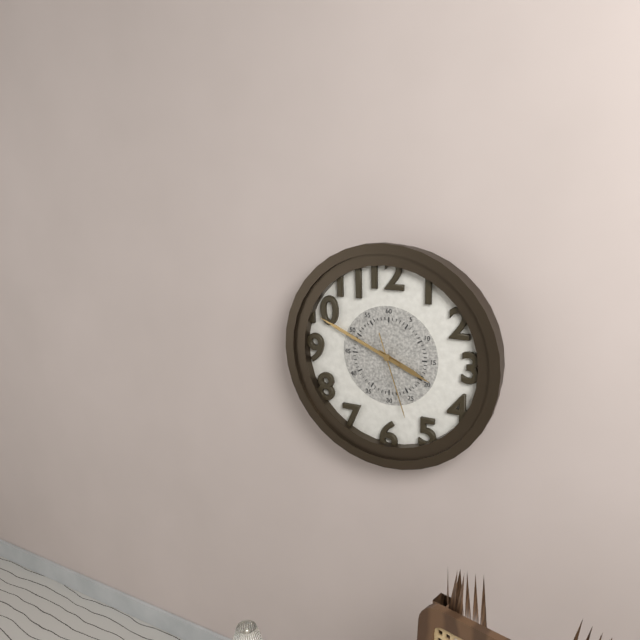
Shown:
3 h 49 min 27 s
